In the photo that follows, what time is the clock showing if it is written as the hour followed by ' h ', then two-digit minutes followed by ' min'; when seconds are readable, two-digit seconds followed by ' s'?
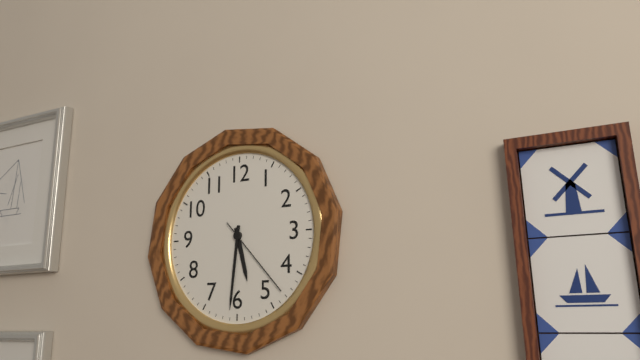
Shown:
5 h 31 min 23 s
